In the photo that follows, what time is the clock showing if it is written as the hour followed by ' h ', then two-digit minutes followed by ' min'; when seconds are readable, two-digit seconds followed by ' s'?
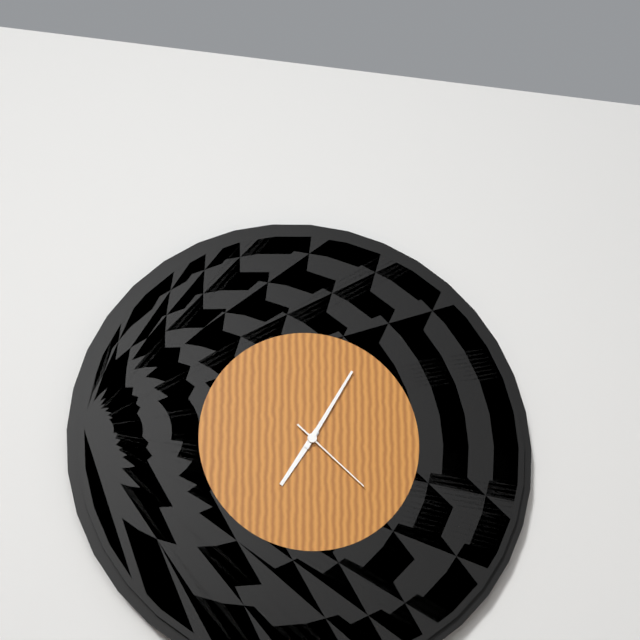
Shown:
7 h 05 min 22 s
